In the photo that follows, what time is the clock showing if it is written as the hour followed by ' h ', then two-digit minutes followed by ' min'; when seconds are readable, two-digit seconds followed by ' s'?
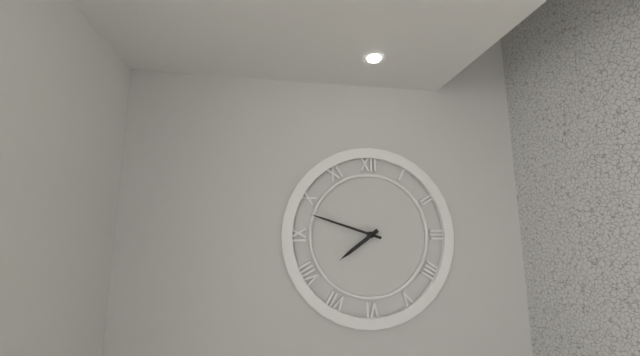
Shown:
7 h 48 min
